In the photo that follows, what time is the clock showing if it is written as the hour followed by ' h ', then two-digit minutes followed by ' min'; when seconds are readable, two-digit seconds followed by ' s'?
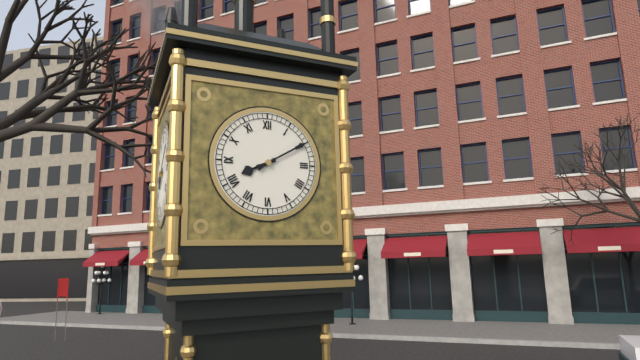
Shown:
8 h 10 min
